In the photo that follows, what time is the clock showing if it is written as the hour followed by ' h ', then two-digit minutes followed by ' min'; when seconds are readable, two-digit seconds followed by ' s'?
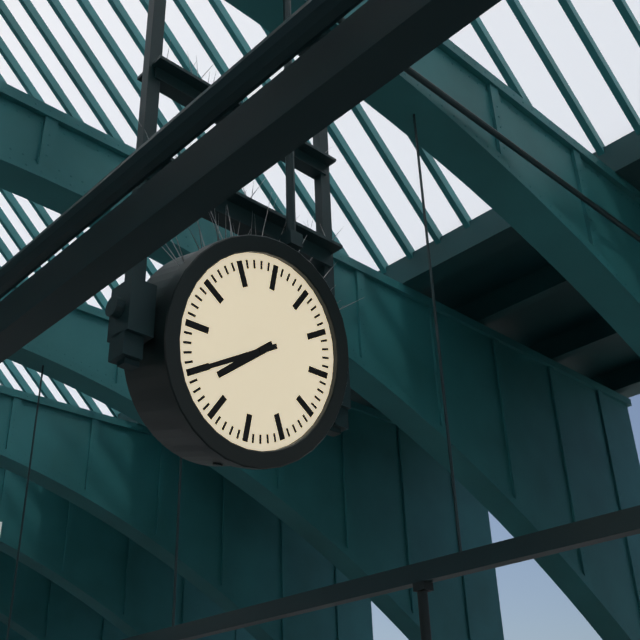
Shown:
7 h 40 min
